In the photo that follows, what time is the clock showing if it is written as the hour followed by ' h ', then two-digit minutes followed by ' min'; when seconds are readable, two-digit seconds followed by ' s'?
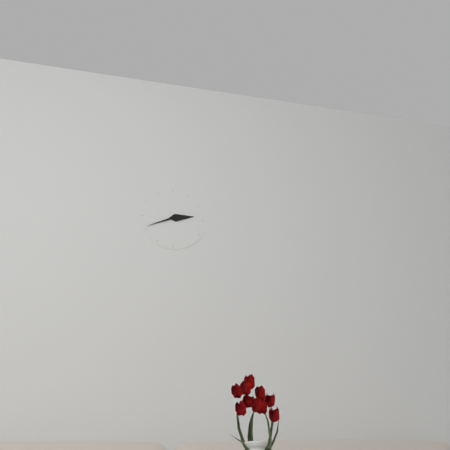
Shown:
2 h 41 min
